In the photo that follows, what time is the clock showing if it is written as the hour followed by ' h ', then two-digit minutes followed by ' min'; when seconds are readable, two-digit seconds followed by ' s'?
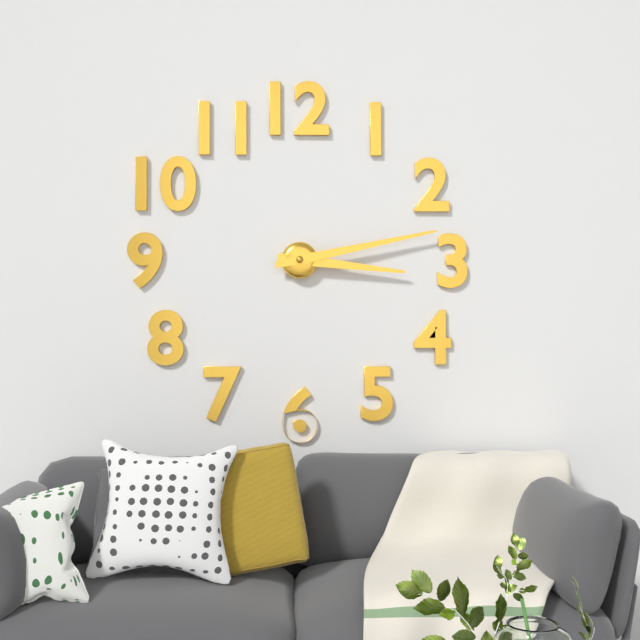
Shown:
3 h 13 min
